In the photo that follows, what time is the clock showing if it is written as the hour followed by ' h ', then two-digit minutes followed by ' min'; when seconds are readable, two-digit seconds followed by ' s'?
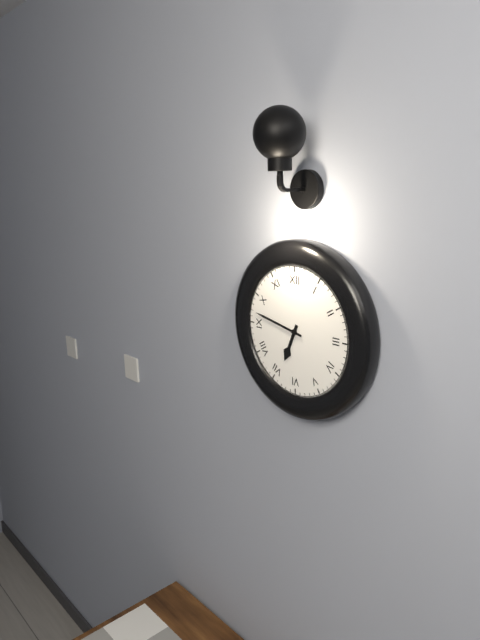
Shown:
6 h 47 min
